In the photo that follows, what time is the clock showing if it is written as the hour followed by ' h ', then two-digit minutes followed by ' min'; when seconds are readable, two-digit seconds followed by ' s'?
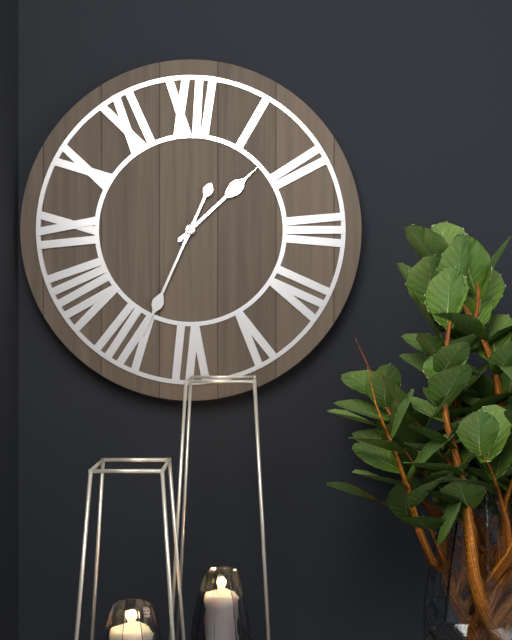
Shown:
1 h 34 min
